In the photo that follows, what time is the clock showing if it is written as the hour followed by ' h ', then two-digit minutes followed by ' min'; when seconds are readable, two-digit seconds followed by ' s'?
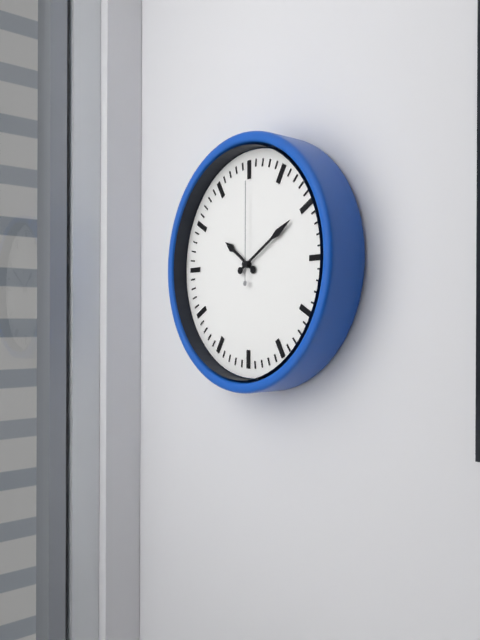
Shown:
10 h 10 min 00 s
